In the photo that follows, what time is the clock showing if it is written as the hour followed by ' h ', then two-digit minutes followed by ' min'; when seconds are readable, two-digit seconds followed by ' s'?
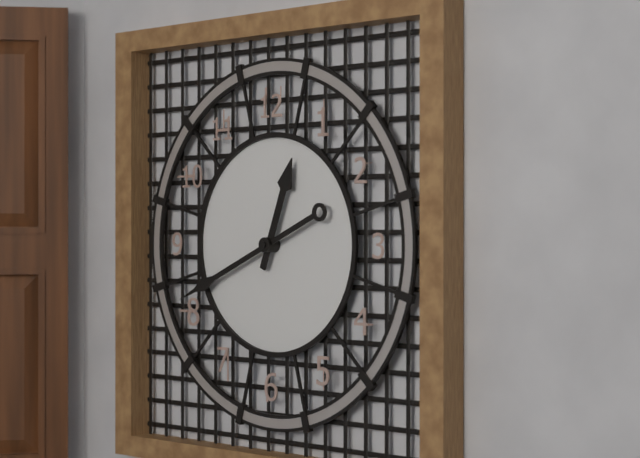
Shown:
12 h 41 min
